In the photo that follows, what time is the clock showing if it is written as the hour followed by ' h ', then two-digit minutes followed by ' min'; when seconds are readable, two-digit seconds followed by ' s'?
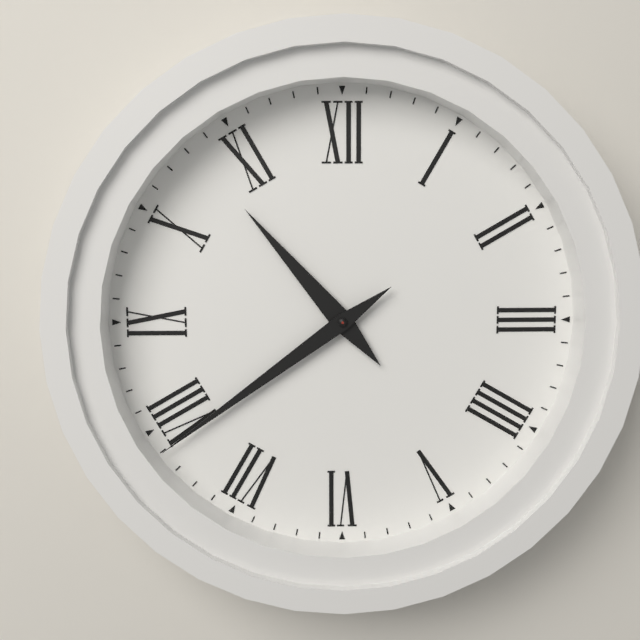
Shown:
10 h 39 min
